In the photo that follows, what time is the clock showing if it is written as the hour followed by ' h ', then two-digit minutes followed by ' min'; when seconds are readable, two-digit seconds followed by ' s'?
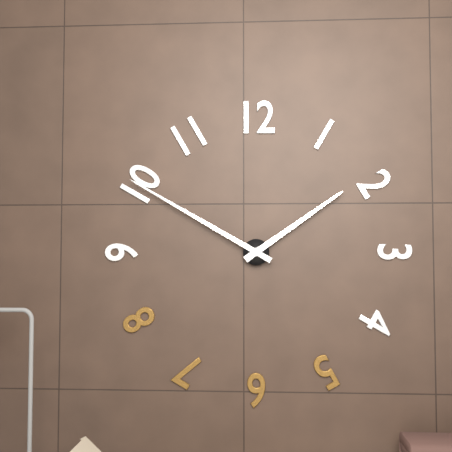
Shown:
1 h 50 min
